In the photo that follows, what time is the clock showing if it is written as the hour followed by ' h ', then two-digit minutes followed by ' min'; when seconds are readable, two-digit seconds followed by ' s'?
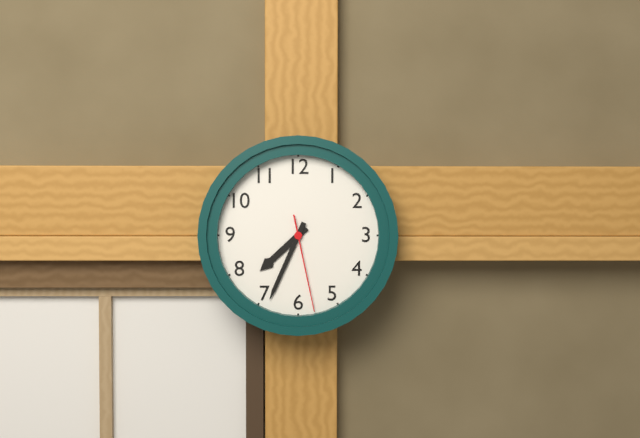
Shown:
7 h 34 min 28 s
